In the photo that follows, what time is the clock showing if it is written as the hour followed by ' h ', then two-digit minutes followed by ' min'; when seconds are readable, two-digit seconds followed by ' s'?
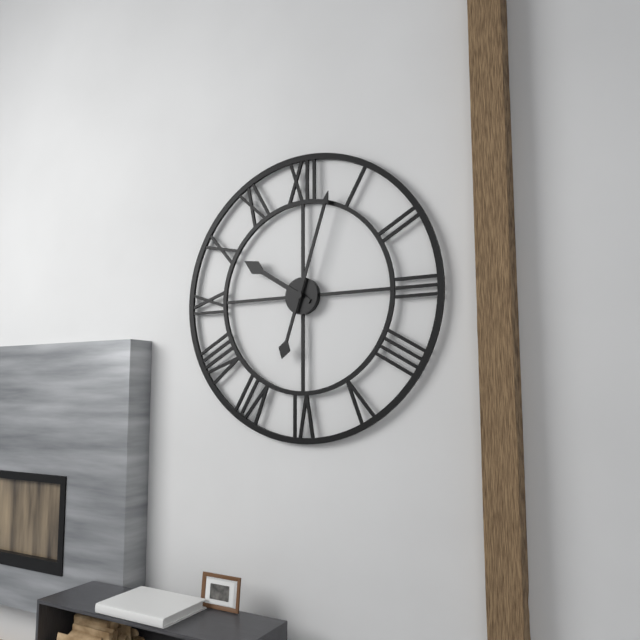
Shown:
10 h 03 min
